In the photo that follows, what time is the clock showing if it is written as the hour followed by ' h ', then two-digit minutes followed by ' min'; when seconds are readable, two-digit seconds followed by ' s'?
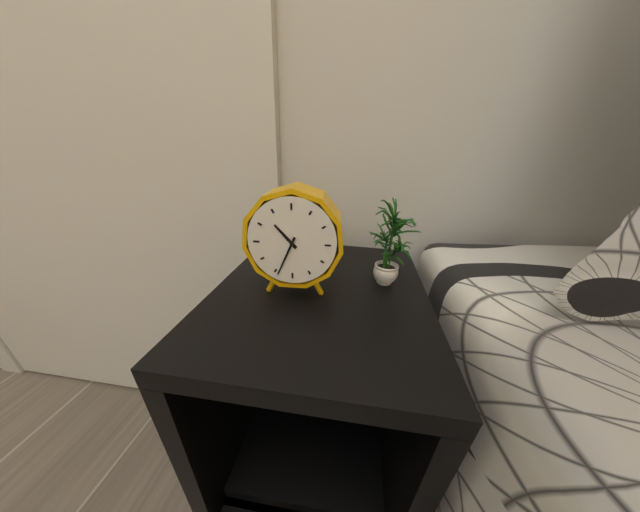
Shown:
10 h 34 min
